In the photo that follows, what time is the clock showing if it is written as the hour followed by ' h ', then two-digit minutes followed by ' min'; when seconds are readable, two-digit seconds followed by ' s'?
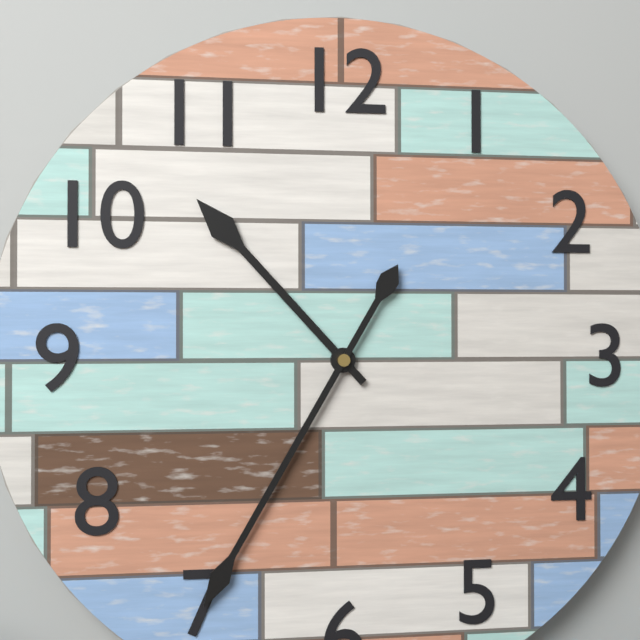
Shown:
10 h 35 min
